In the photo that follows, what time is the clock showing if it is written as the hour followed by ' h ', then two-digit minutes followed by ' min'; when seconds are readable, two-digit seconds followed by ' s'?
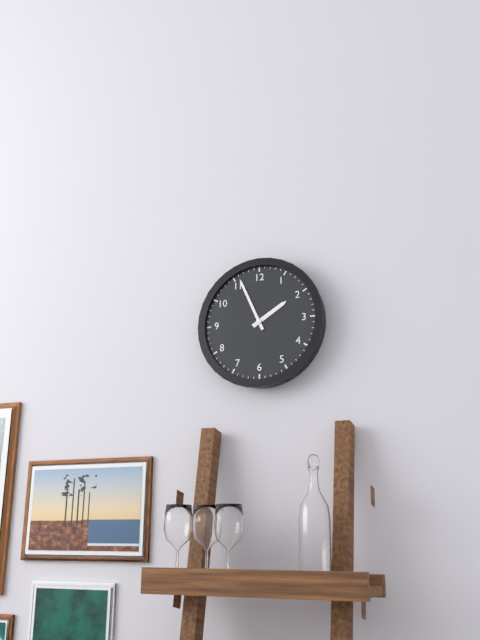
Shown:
1 h 56 min
